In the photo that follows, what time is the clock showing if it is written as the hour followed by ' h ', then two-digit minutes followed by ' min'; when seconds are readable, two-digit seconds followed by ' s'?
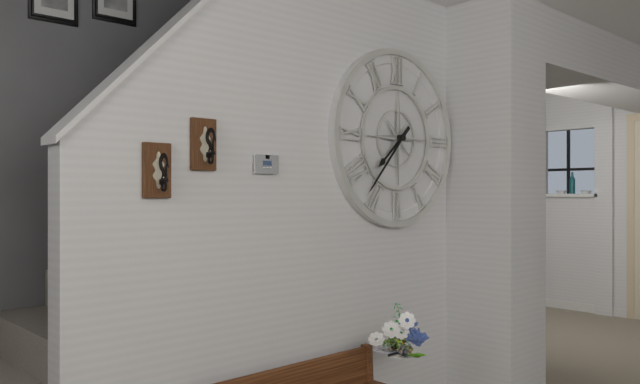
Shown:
7 h 37 min
